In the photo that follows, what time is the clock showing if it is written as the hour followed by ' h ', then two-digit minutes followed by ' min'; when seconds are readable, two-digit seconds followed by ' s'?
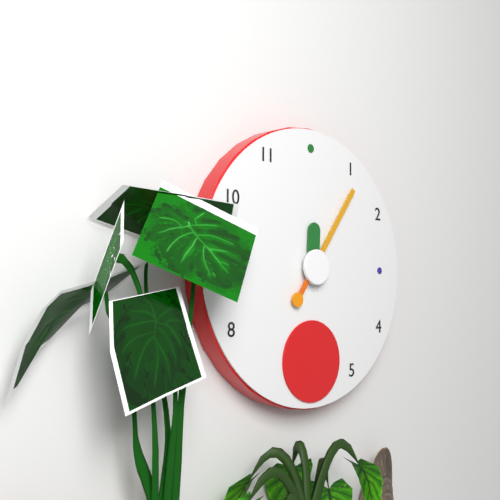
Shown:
12 h 06 min
